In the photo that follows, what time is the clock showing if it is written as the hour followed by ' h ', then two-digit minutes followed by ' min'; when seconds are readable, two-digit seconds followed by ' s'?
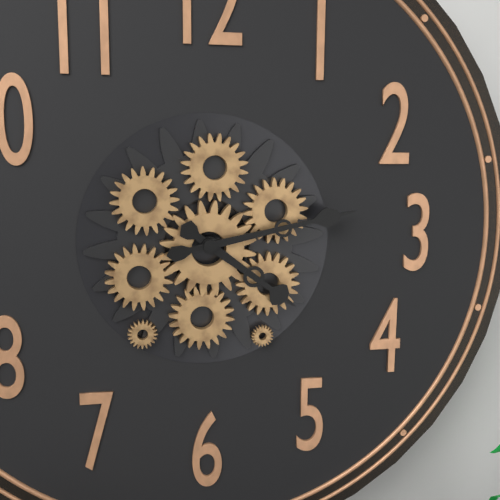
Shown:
4 h 13 min
